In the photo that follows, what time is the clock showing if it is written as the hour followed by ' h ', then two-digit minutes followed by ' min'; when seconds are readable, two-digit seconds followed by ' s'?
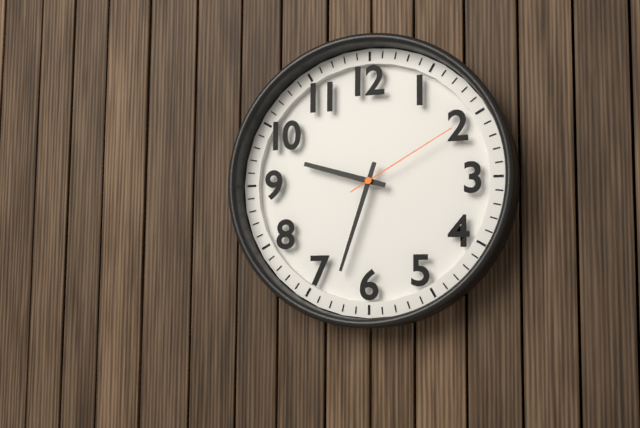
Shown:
9 h 33 min 10 s
